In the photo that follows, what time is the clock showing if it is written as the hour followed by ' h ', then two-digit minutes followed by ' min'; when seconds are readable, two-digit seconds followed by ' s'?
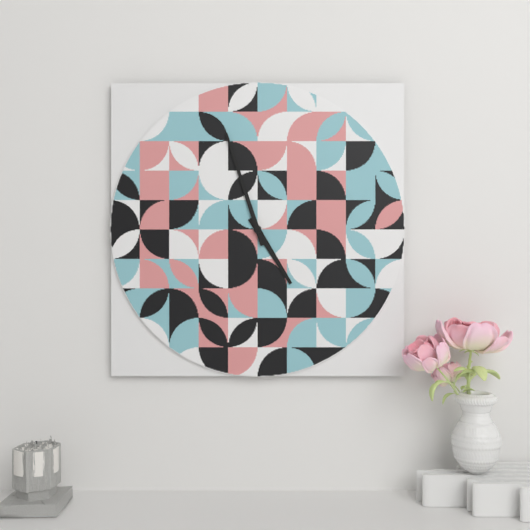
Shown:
4 h 57 min
